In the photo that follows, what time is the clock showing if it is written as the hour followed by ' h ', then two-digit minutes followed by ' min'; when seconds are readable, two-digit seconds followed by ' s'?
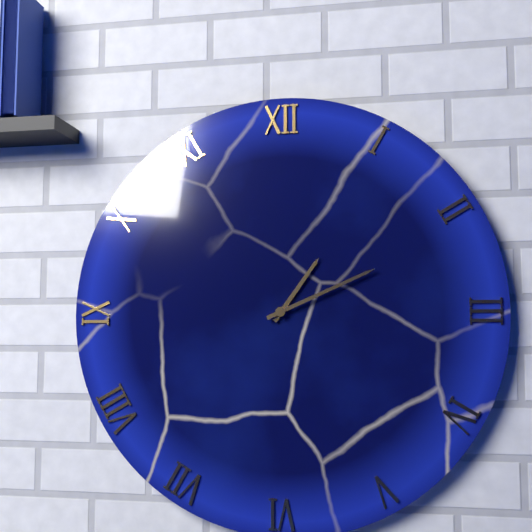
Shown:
1 h 11 min
